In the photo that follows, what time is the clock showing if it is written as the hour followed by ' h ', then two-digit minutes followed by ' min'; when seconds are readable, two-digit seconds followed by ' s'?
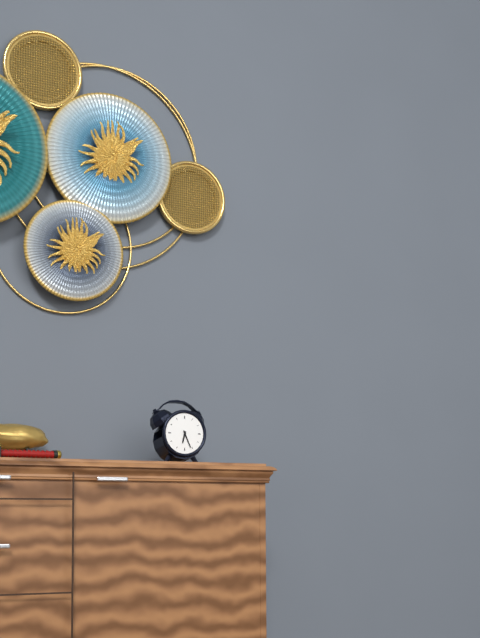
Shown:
6 h 26 min
